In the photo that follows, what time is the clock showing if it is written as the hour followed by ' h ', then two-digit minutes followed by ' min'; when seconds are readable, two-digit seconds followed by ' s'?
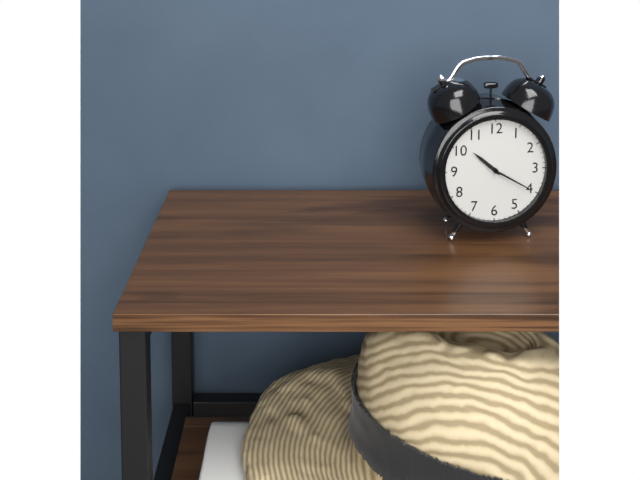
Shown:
10 h 20 min
